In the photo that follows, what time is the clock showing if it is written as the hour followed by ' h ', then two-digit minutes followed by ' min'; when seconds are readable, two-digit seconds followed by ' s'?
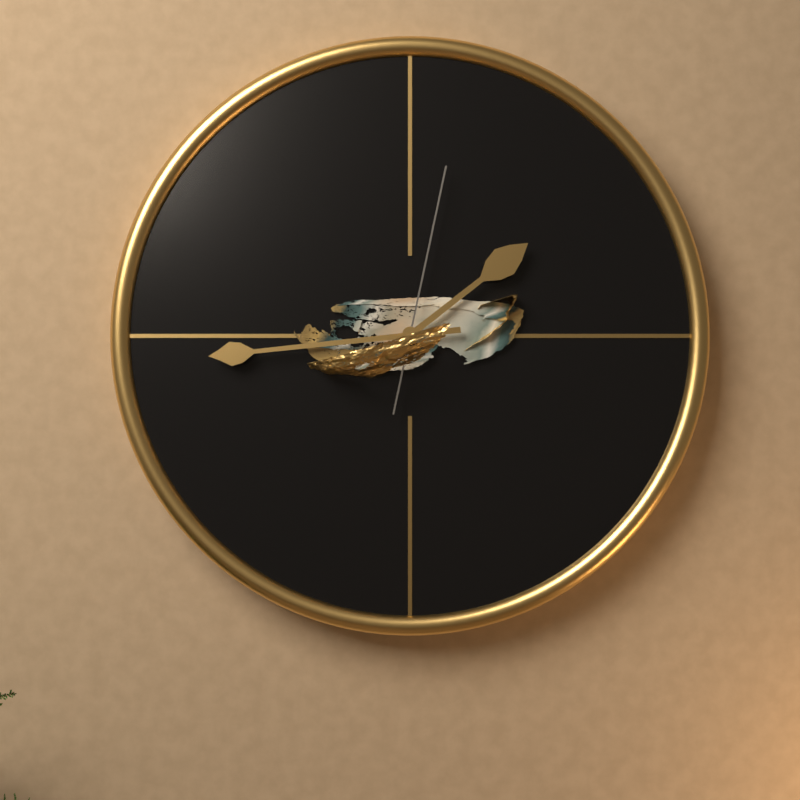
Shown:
1 h 44 min 02 s
